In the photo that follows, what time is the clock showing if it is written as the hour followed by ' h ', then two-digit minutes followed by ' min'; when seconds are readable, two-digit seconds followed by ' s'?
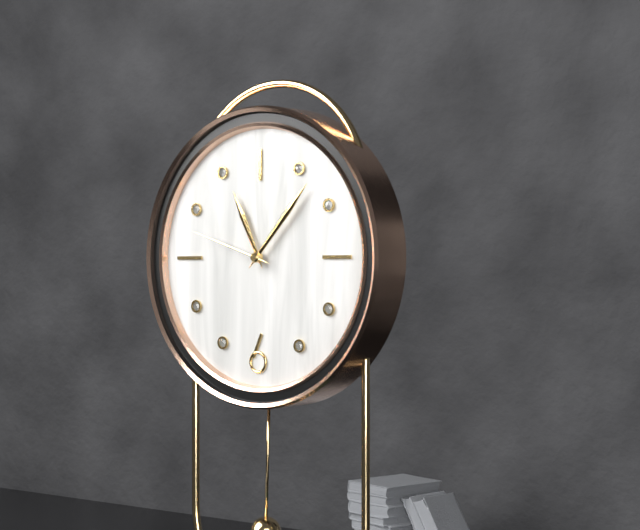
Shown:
11 h 07 min 48 s
